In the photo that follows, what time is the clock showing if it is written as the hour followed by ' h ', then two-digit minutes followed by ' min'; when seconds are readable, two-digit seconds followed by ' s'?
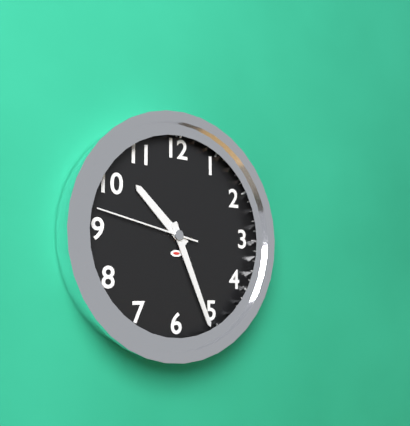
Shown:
10 h 26 min 47 s
